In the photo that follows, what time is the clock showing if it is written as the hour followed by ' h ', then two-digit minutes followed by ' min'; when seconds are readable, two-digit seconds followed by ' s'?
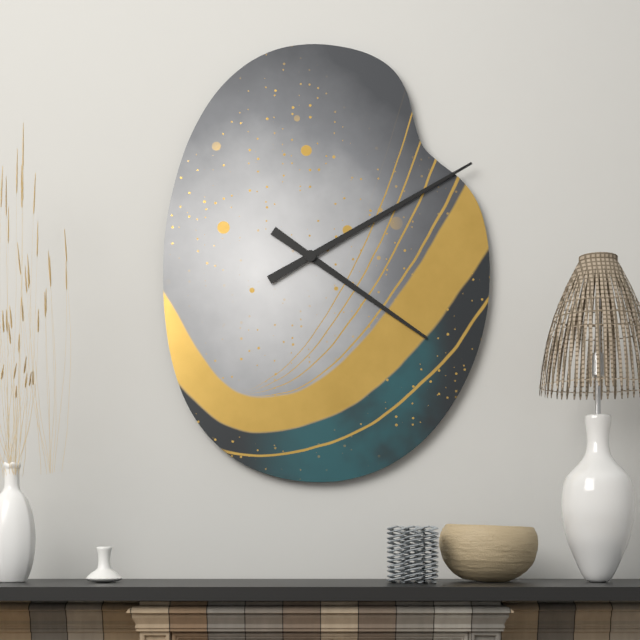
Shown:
4 h 10 min
